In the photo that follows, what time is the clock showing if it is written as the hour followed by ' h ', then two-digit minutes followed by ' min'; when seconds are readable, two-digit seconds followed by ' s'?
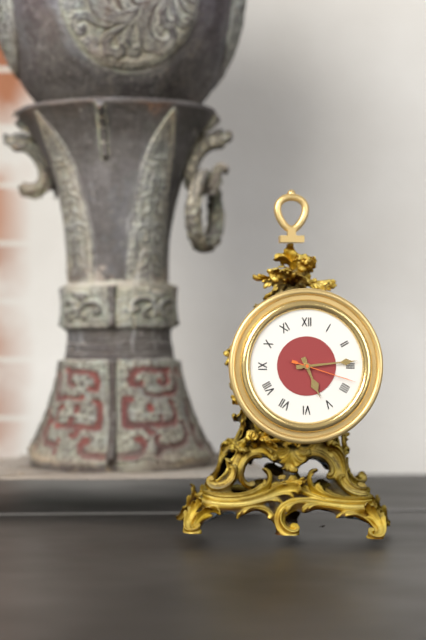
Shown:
5 h 14 min 18 s
